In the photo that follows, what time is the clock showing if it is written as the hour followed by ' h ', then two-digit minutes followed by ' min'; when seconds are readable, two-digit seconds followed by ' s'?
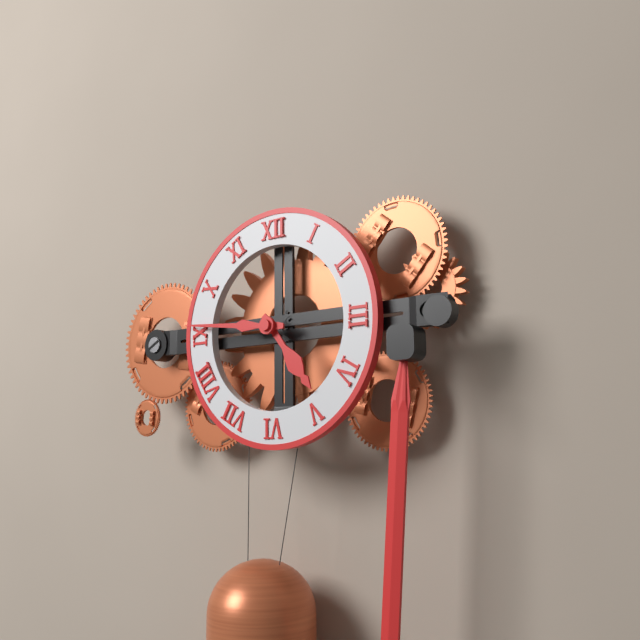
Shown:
4 h 46 min
